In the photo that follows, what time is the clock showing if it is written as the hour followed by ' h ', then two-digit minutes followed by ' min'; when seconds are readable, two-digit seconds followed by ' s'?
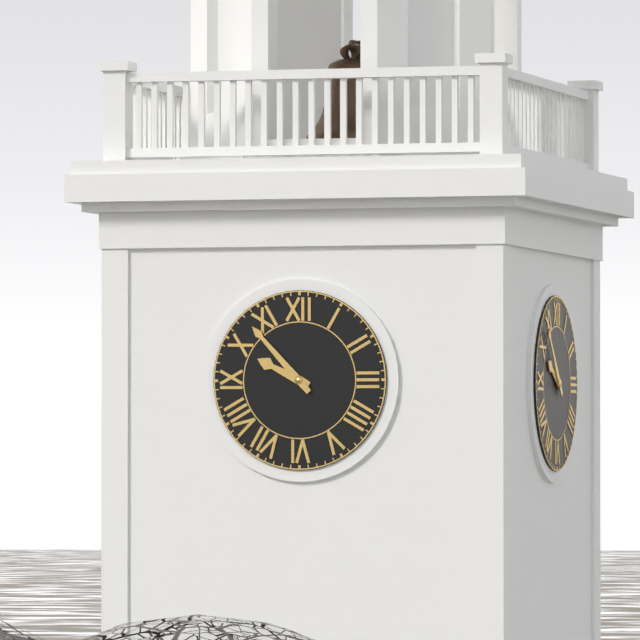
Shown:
9 h 53 min
